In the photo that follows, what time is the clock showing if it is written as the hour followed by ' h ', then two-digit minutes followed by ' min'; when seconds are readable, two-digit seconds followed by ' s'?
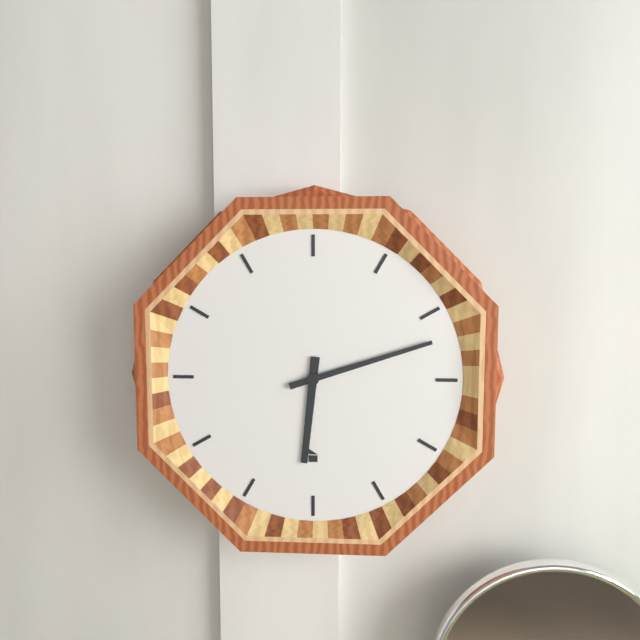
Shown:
6 h 12 min
